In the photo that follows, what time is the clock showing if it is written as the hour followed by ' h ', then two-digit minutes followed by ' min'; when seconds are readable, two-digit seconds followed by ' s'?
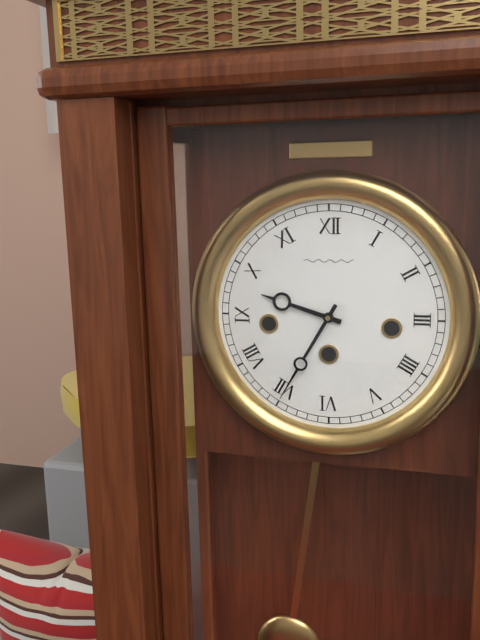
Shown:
9 h 35 min
